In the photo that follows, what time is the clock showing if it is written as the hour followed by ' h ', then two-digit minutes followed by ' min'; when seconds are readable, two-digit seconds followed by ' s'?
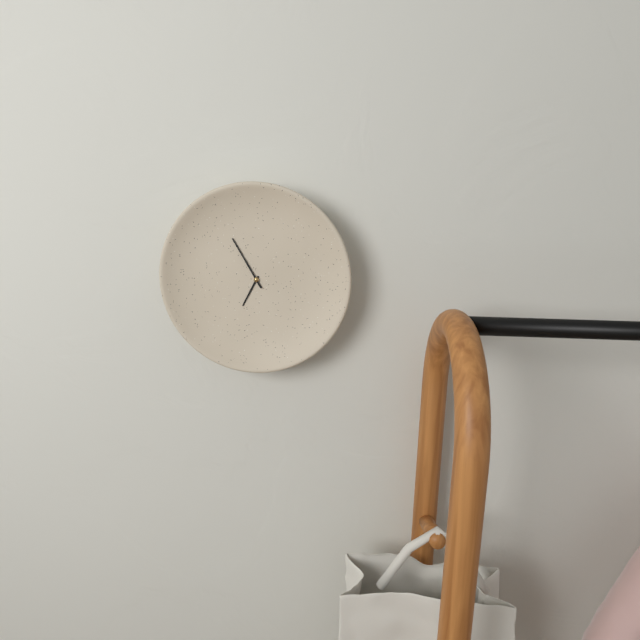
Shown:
6 h 55 min
